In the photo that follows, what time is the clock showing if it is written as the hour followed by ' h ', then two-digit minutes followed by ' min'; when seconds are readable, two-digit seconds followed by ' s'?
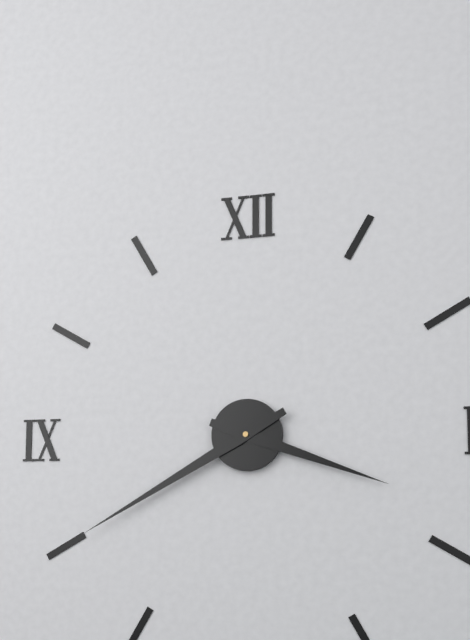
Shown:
3 h 40 min
